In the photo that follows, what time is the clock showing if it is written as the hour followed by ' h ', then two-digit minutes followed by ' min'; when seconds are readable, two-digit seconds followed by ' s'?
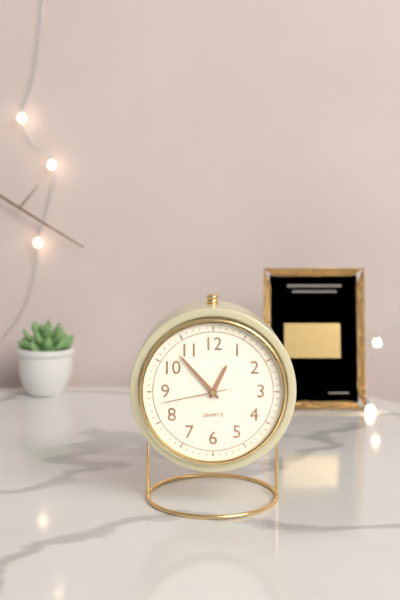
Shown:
12 h 53 min 43 s
